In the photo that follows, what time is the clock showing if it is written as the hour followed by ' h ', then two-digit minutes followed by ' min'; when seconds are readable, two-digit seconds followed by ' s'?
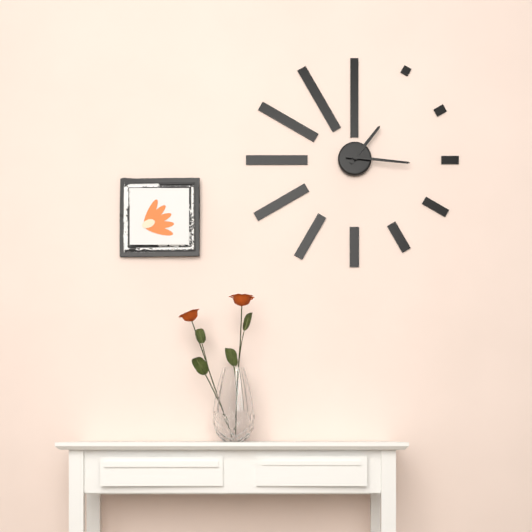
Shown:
1 h 16 min
